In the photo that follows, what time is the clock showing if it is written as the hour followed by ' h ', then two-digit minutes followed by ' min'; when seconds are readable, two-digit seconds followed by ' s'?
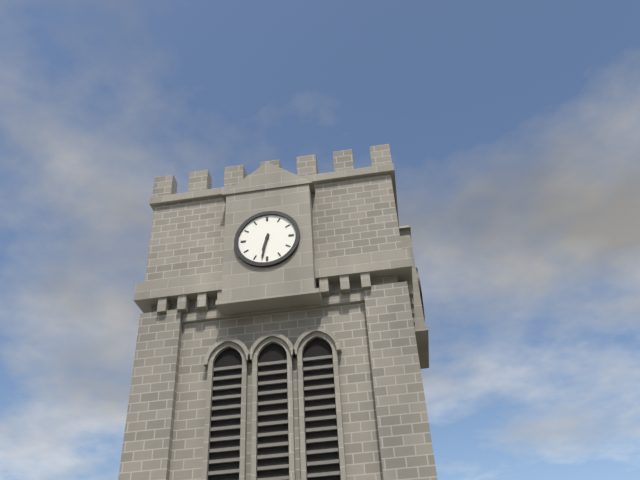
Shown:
6 h 32 min
